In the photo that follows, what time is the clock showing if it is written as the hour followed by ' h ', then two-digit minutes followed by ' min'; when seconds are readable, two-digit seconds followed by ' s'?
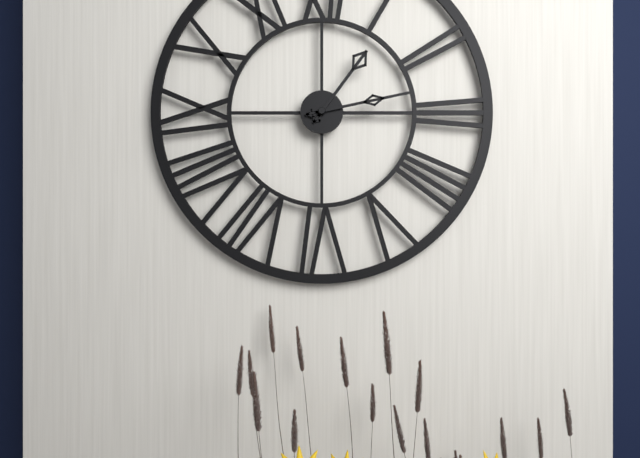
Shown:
1 h 13 min
